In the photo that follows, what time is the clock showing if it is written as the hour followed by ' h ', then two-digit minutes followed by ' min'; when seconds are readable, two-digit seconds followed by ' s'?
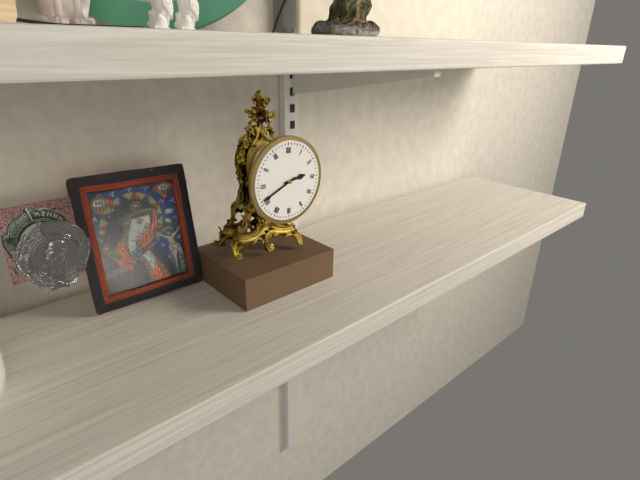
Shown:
2 h 41 min
